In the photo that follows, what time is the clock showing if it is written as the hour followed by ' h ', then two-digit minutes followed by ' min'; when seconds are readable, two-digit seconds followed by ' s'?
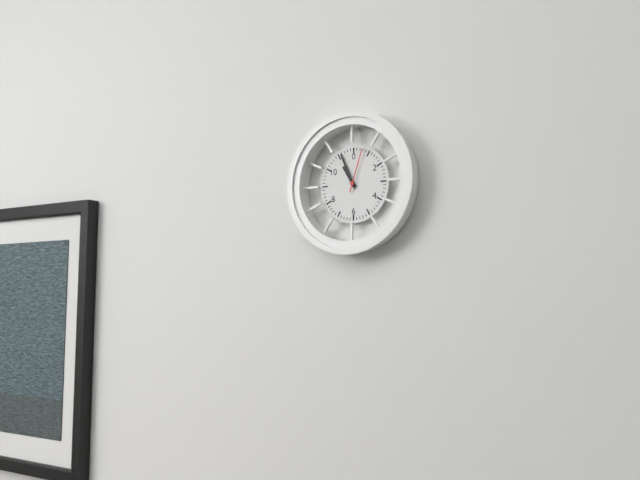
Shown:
10 h 56 min
